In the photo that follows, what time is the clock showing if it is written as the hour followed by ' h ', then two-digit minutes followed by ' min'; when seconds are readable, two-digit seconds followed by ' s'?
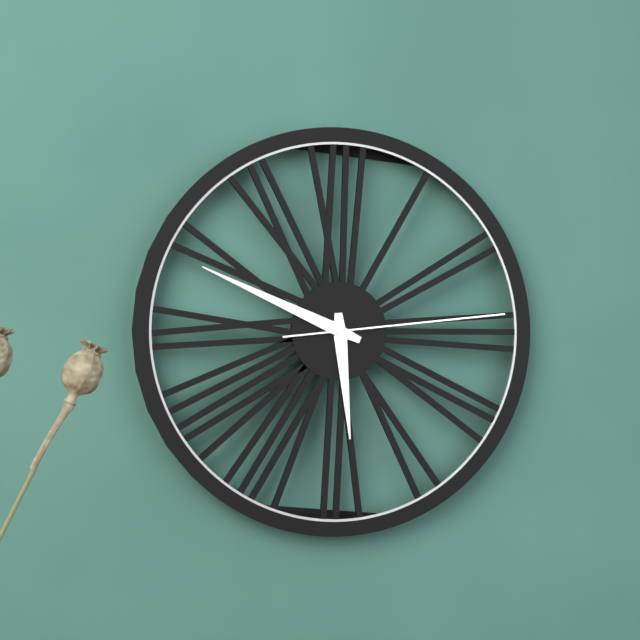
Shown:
5 h 49 min 14 s
